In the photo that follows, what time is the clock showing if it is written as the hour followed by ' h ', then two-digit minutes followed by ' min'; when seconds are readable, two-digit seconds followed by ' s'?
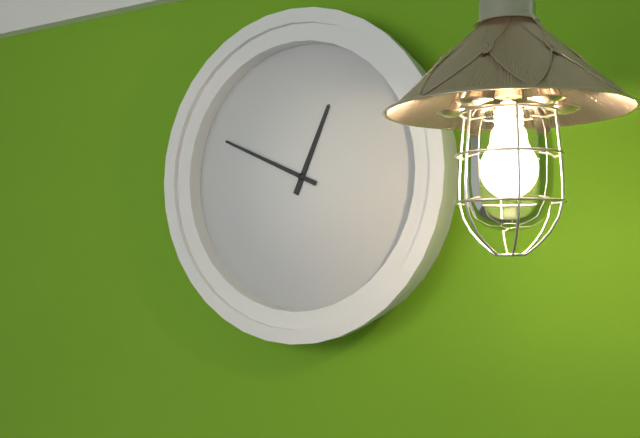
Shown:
12 h 49 min
